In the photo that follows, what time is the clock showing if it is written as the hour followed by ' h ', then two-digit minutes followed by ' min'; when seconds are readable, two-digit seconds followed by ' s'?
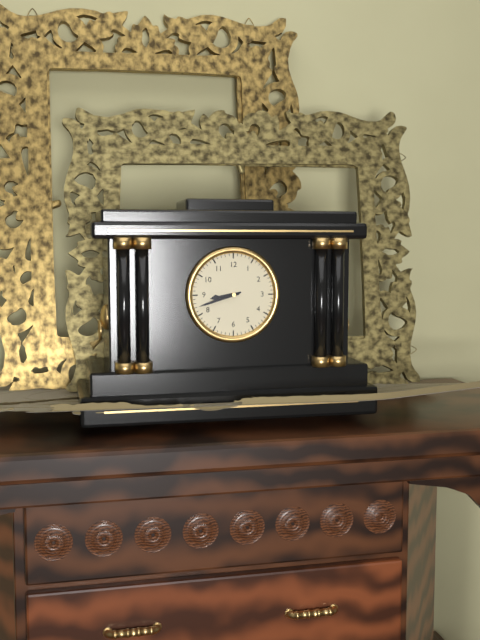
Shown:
8 h 42 min
